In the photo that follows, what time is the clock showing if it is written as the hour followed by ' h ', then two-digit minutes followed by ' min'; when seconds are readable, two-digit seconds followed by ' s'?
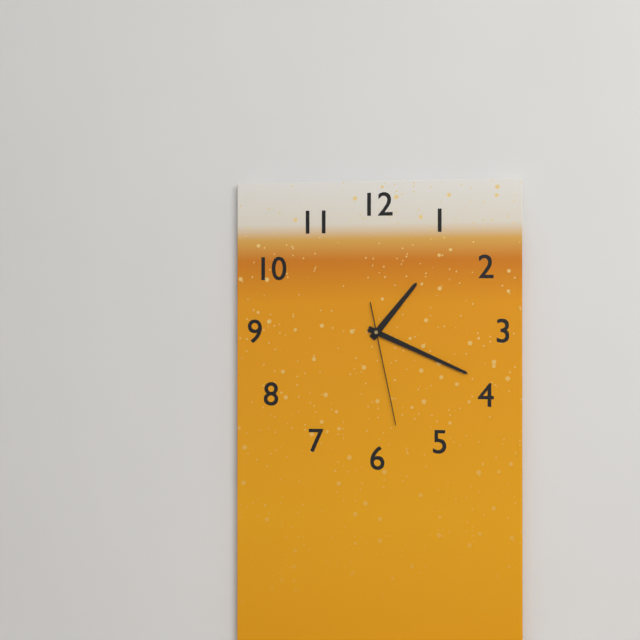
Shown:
1 h 19 min 28 s
